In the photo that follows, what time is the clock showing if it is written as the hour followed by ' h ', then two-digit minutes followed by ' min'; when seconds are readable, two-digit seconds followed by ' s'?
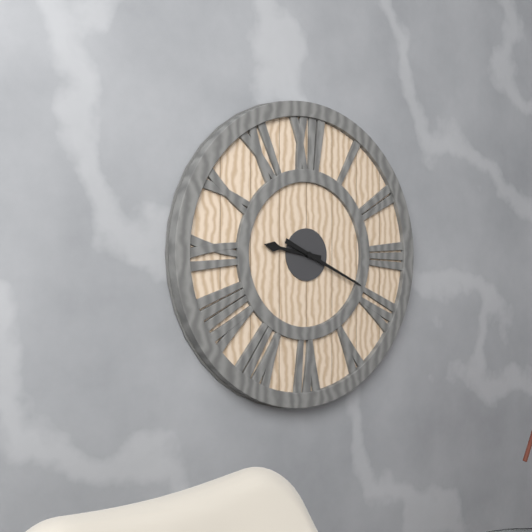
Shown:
9 h 19 min
